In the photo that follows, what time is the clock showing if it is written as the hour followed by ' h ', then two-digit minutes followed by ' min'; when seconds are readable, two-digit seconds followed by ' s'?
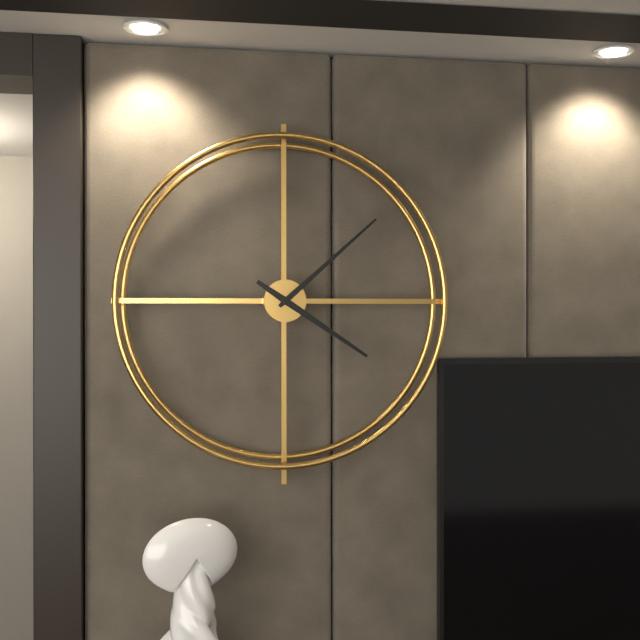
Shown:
4 h 08 min
